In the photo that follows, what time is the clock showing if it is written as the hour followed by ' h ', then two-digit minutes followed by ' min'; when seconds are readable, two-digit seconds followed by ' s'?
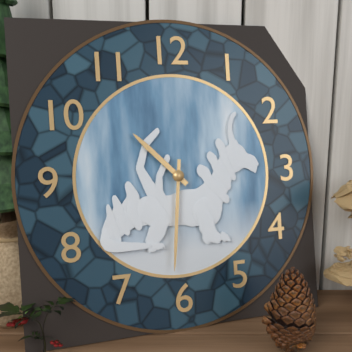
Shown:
10 h 31 min
